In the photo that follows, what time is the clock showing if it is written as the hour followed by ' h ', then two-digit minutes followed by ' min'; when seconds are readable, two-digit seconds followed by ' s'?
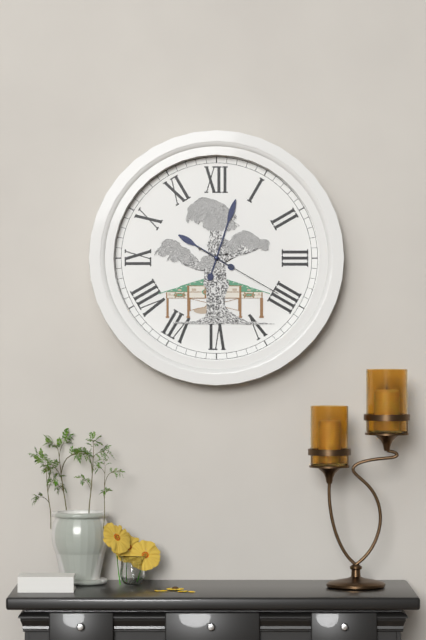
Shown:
10 h 03 min 20 s
